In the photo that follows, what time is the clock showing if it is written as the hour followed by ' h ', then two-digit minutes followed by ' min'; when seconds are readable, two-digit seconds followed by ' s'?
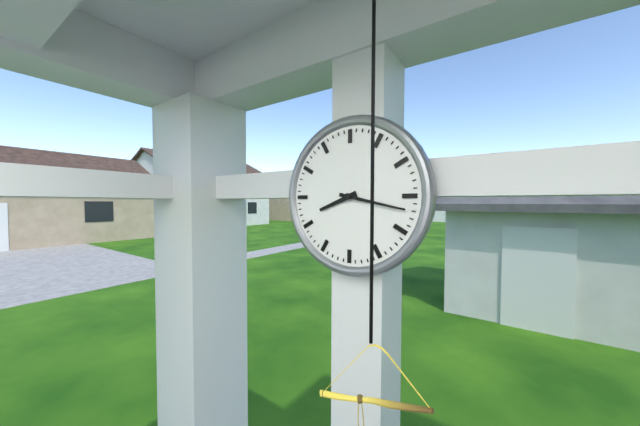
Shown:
8 h 17 min
